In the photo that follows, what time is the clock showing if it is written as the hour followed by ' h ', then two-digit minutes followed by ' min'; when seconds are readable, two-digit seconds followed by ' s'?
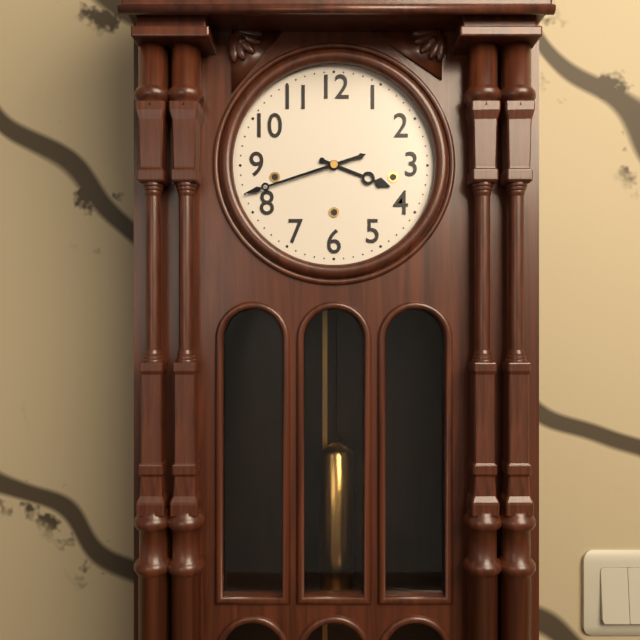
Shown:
3 h 42 min
